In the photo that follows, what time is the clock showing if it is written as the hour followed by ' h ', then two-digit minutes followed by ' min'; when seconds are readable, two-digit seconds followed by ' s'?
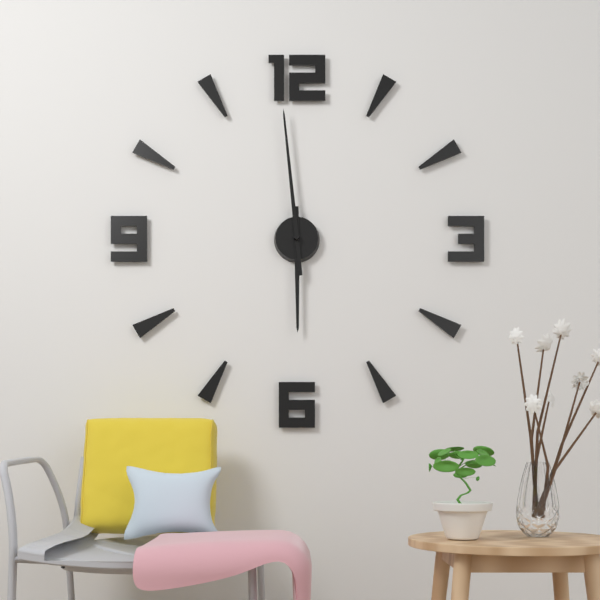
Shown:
5 h 59 min
